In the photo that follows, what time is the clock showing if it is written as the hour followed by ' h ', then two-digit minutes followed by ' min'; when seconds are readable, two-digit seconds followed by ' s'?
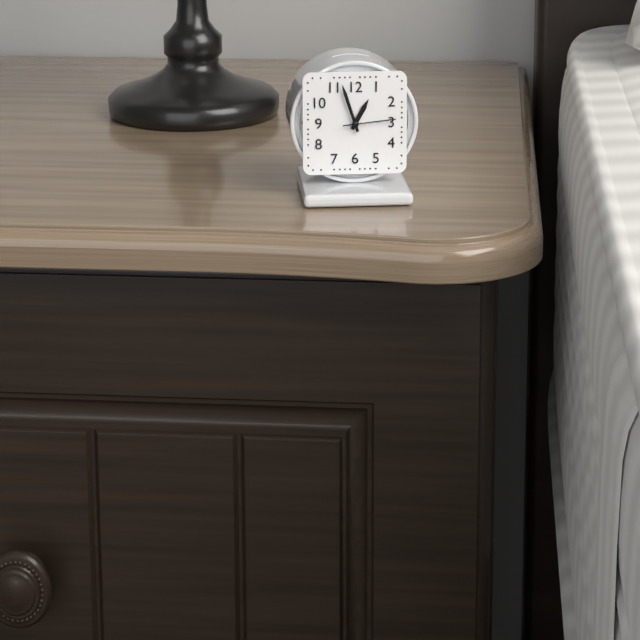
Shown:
12 h 57 min 14 s
